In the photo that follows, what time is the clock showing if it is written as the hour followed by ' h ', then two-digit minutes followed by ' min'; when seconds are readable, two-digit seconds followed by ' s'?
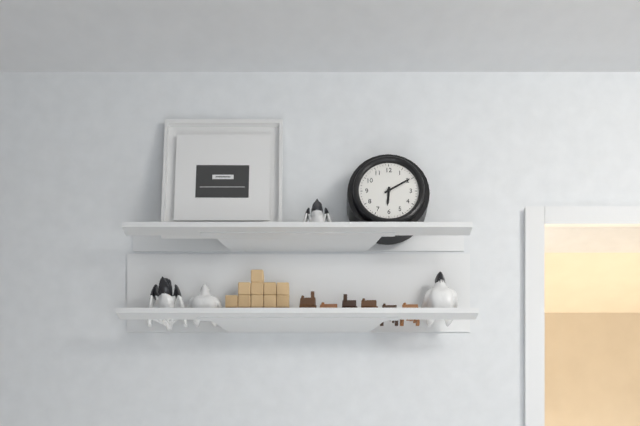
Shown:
6 h 10 min
